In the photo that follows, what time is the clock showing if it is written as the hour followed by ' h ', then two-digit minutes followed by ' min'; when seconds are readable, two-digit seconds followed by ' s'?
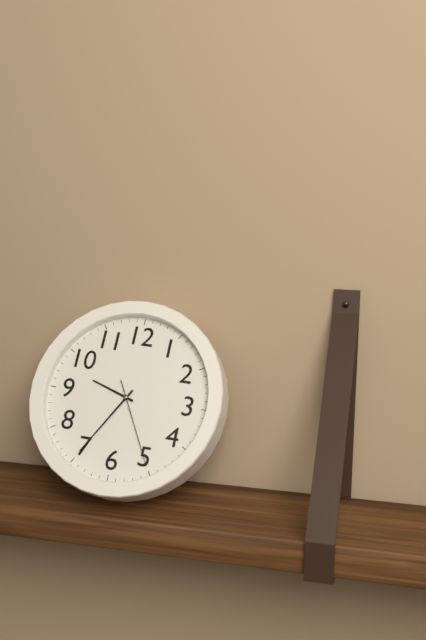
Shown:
9 h 35 min 25 s
